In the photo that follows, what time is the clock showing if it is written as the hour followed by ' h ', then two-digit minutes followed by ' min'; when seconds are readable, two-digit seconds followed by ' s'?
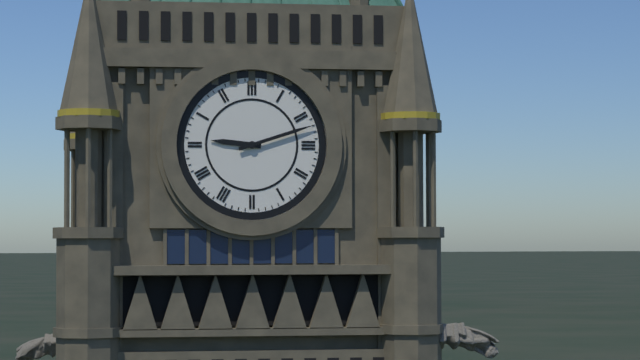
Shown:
9 h 12 min
